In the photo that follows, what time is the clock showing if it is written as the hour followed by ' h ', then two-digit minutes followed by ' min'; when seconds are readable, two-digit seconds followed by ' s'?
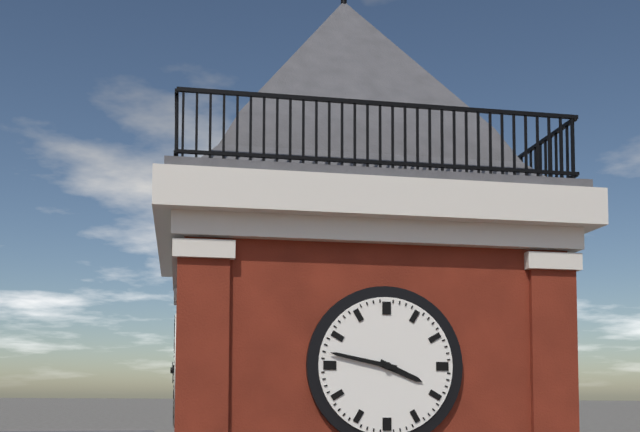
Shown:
3 h 47 min
